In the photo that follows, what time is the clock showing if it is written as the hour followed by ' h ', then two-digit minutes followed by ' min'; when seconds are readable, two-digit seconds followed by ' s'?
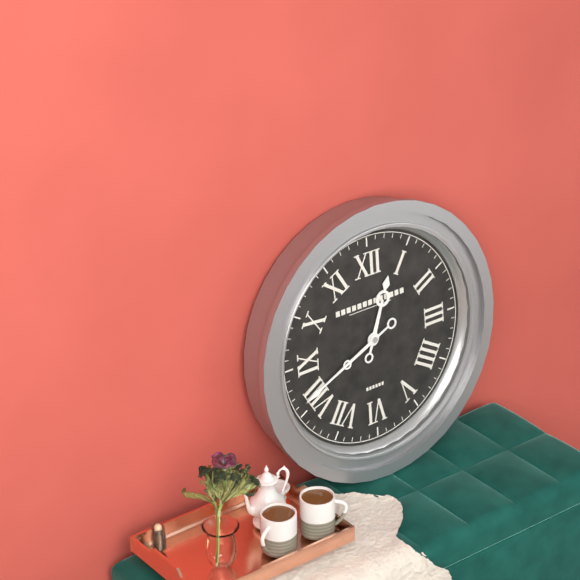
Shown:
12 h 41 min
